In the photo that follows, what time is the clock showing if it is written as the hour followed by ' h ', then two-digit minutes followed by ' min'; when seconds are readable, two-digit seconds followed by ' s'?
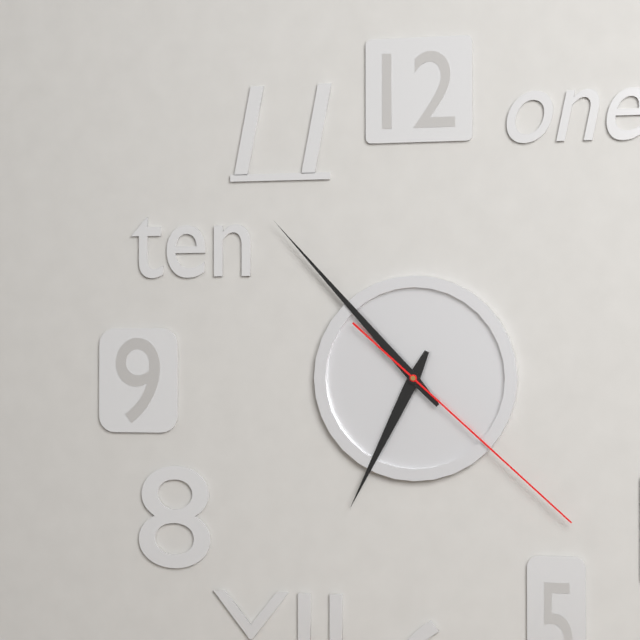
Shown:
6 h 53 min 22 s
